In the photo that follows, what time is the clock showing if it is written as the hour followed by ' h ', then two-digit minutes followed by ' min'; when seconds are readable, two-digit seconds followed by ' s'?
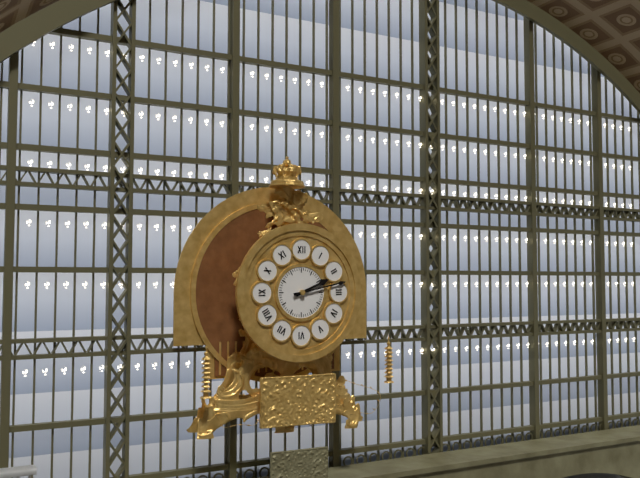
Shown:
2 h 13 min
